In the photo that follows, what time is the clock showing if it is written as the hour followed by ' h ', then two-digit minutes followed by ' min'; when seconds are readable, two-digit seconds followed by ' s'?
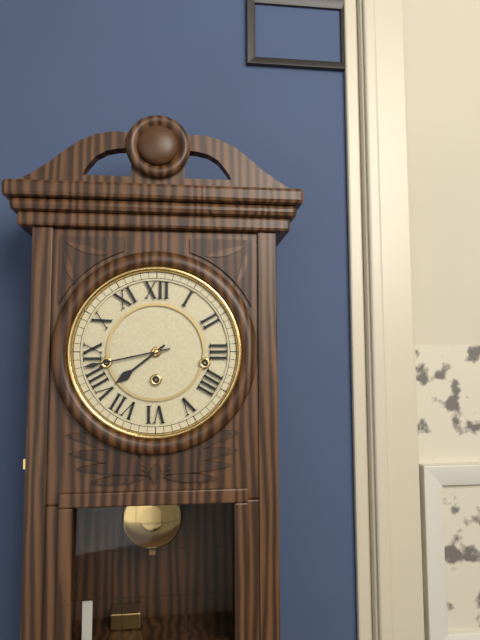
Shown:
7 h 43 min
